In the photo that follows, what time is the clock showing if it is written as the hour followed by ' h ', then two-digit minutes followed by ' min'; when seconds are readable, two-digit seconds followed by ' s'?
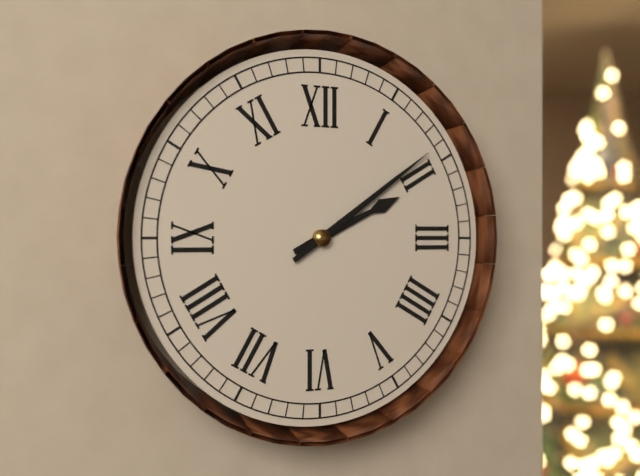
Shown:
2 h 09 min
